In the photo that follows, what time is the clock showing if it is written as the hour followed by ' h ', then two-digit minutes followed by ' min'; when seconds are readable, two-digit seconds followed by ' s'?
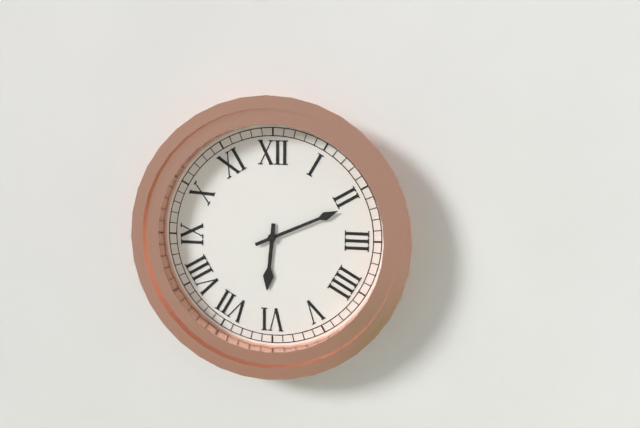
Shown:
6 h 11 min
